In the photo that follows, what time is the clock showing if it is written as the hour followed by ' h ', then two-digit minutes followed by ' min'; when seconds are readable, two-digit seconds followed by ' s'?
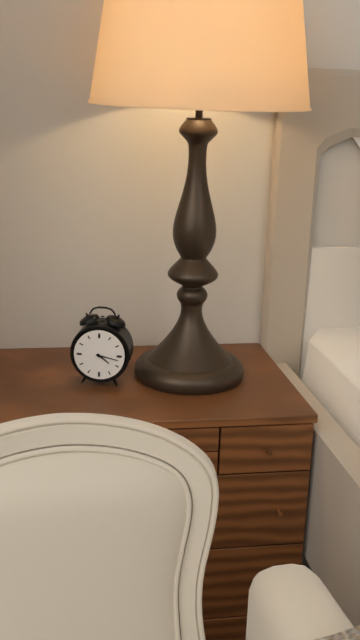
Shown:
4 h 17 min
